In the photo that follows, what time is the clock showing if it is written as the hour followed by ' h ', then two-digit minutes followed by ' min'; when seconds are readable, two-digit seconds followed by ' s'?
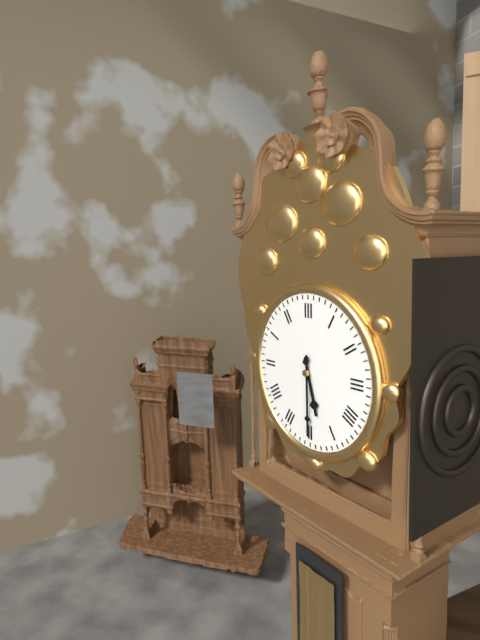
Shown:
5 h 30 min
